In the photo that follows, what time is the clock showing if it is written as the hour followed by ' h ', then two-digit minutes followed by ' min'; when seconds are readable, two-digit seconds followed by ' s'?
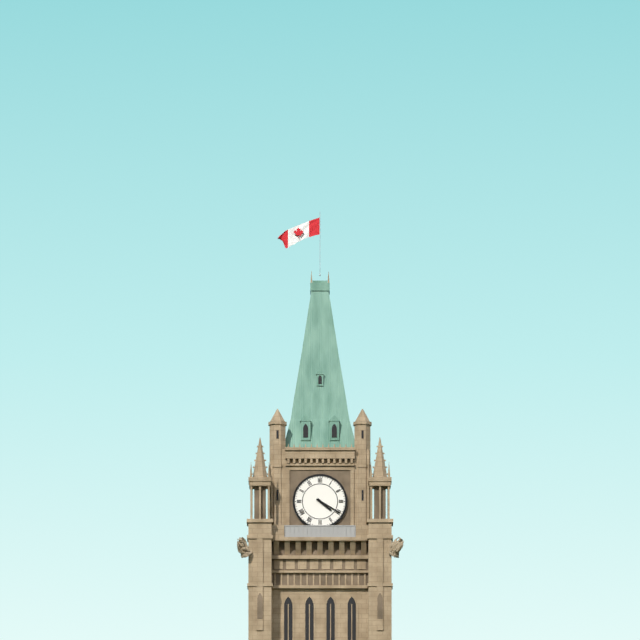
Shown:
4 h 20 min
